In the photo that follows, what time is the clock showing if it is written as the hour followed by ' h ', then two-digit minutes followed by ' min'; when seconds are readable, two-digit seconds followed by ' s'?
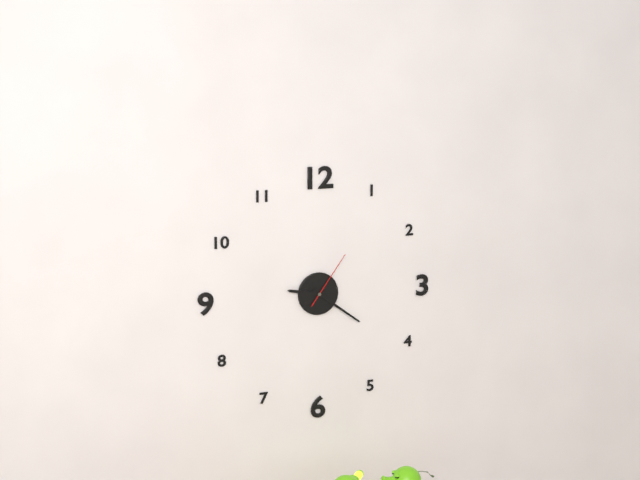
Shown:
9 h 21 min 06 s
